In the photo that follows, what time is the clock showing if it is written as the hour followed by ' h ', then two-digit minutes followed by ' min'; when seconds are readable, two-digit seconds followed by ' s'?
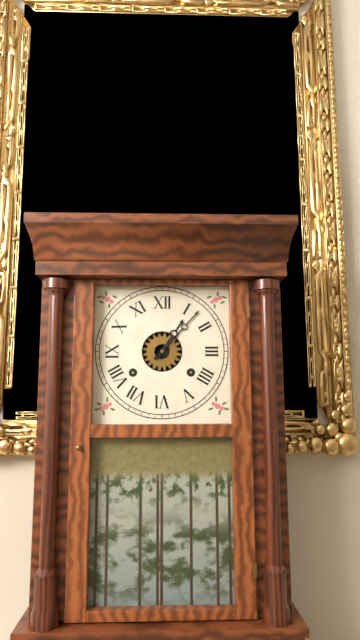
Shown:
1 h 07 min
